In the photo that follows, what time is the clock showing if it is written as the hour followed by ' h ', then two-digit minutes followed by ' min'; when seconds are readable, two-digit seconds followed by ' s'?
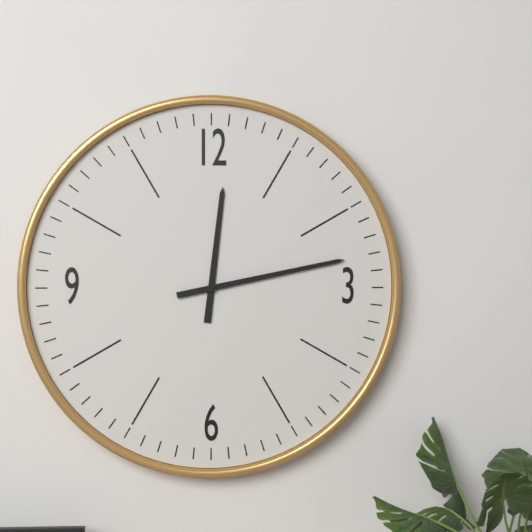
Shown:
12 h 13 min
